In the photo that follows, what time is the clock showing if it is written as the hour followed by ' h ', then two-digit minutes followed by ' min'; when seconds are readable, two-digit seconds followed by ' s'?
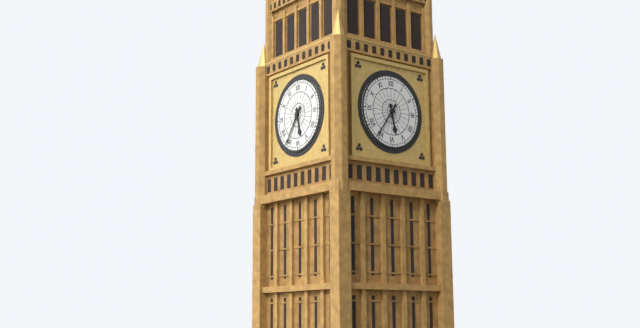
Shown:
5 h 36 min
